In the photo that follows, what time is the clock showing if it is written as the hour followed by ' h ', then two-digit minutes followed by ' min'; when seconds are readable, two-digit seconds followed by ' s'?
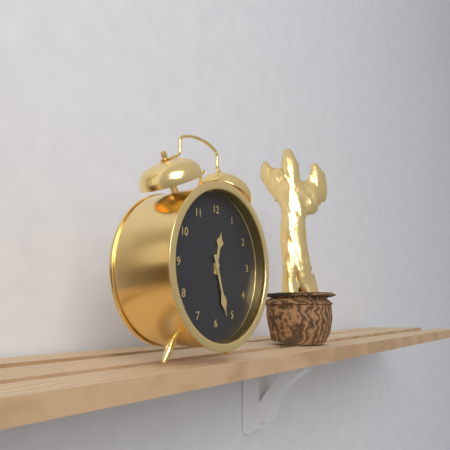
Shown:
12 h 27 min
